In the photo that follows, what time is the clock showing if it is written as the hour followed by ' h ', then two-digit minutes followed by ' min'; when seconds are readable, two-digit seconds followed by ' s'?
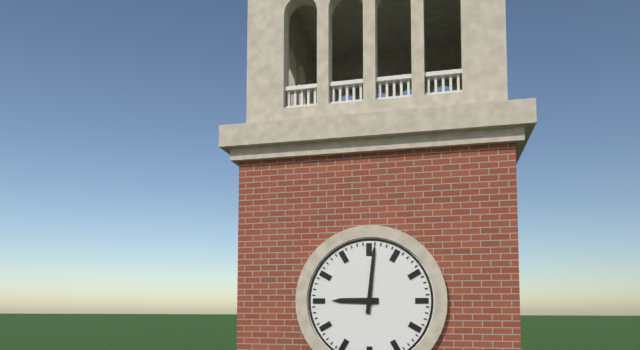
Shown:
9 h 01 min
